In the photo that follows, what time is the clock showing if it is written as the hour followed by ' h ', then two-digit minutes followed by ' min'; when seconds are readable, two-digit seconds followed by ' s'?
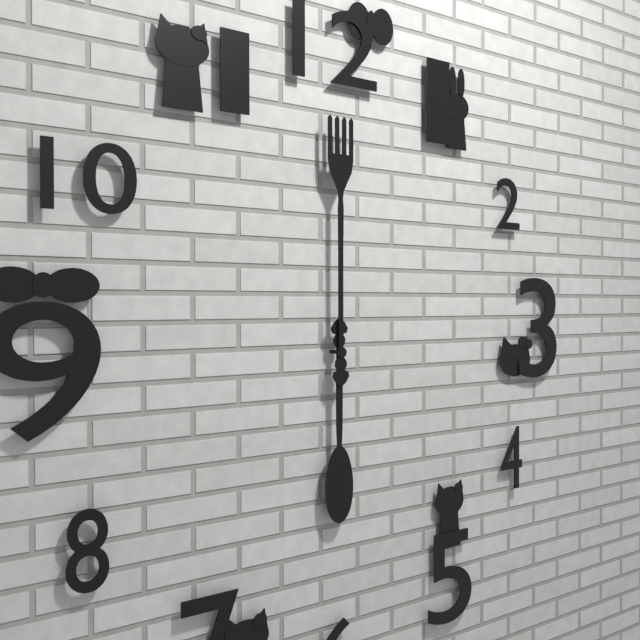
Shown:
6 h 00 min
